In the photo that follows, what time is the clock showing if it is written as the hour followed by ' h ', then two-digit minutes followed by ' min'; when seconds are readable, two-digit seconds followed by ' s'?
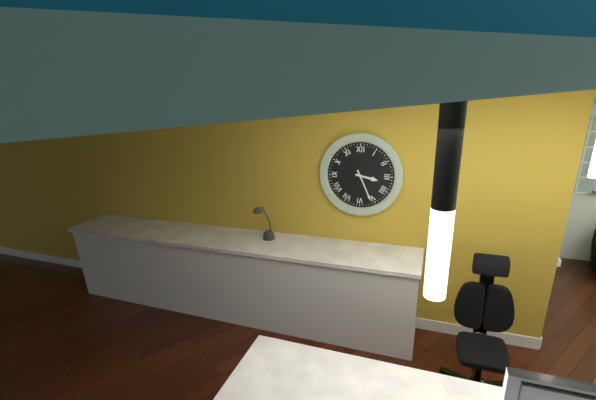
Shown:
3 h 26 min
